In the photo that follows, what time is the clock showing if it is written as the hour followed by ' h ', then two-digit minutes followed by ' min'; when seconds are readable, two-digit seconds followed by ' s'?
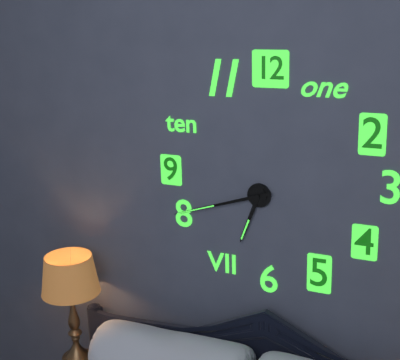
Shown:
6 h 42 min
